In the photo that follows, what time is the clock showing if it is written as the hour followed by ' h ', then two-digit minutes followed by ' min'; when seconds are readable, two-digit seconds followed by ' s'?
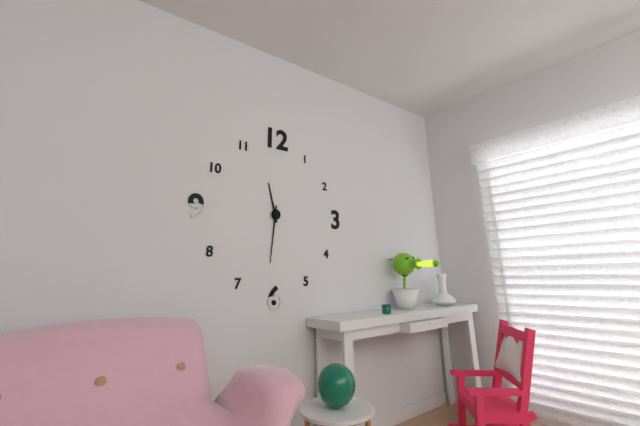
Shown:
11 h 31 min
